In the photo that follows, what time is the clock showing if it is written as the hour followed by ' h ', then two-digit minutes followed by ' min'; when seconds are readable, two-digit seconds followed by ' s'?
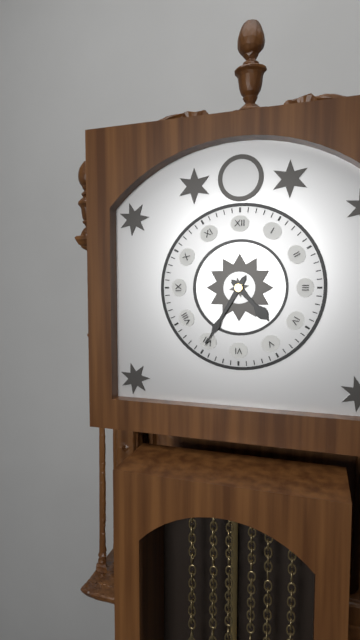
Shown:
4 h 35 min
